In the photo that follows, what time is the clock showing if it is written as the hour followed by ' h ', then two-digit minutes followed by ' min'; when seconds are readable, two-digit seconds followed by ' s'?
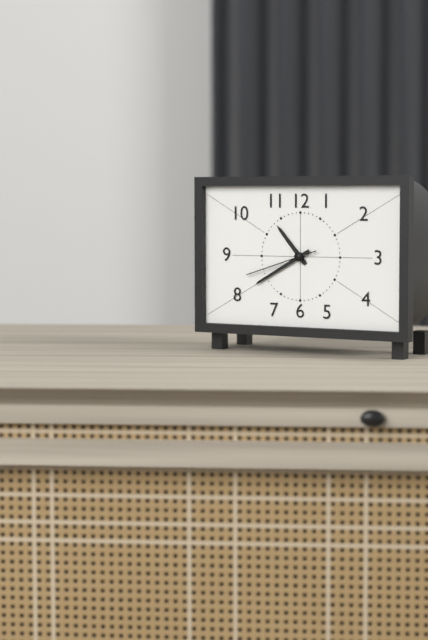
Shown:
10 h 40 min 42 s
